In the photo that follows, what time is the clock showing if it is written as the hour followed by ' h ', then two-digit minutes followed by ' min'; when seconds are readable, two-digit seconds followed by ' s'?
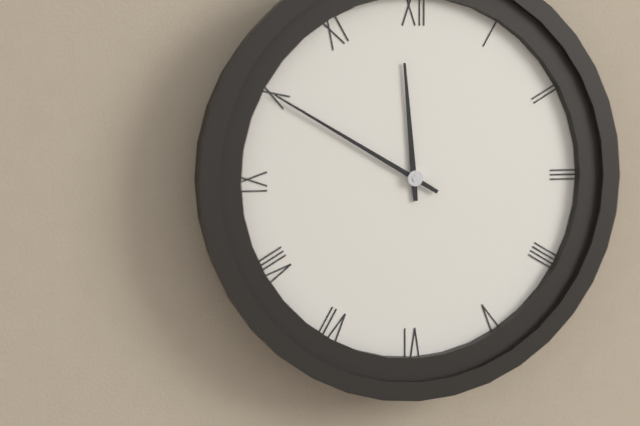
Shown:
11 h 50 min
